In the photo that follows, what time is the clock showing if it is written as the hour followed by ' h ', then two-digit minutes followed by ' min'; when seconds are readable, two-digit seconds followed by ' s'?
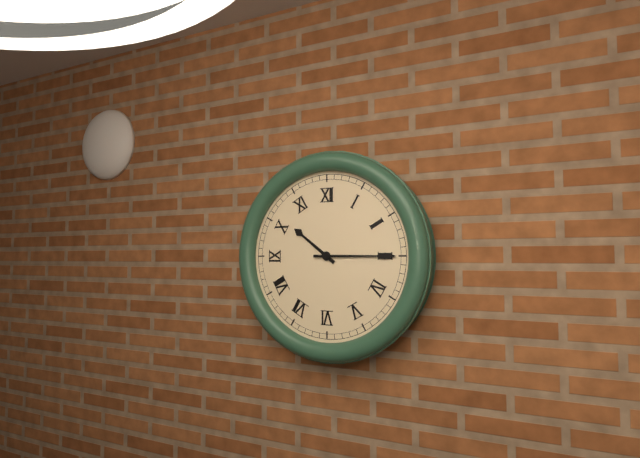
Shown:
10 h 15 min
